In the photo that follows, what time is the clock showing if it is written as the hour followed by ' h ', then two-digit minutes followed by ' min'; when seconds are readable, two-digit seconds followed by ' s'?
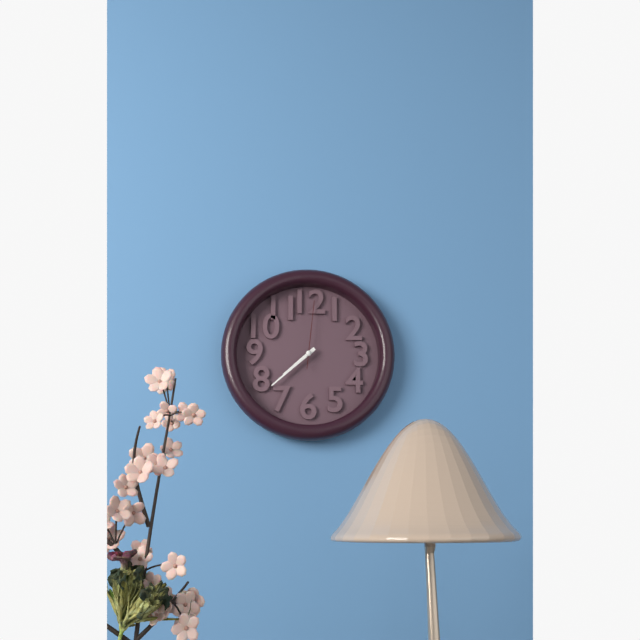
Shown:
7 h 38 min 01 s
